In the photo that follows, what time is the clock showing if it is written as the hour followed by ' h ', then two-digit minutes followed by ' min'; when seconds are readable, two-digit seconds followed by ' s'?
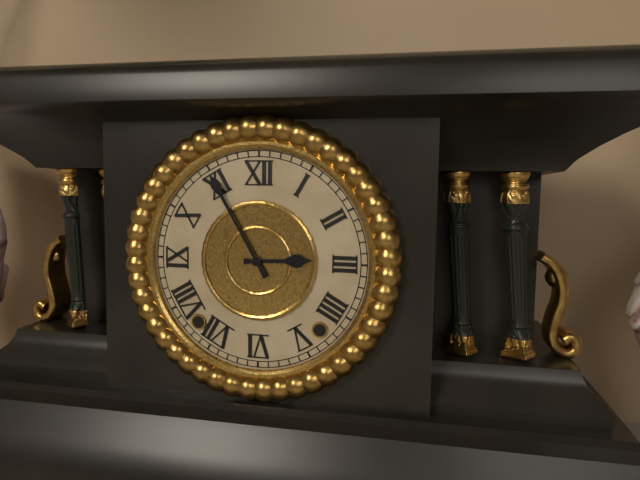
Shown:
2 h 55 min
